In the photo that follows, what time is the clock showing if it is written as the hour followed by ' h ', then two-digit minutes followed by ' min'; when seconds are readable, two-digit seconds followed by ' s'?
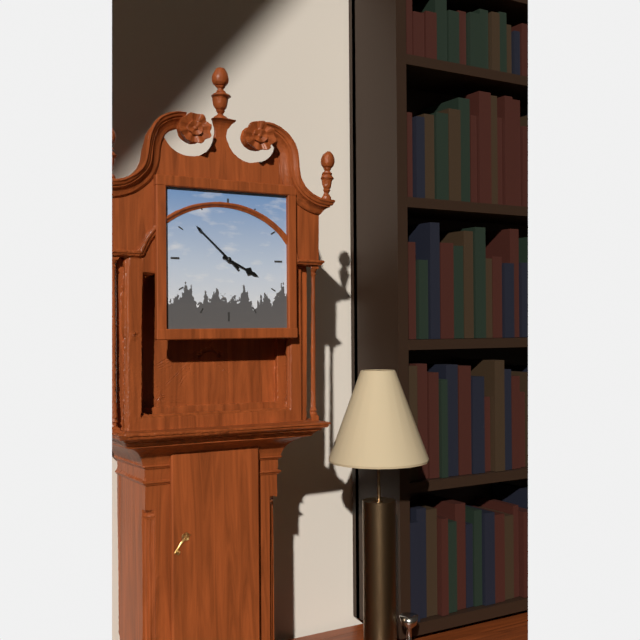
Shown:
3 h 52 min
